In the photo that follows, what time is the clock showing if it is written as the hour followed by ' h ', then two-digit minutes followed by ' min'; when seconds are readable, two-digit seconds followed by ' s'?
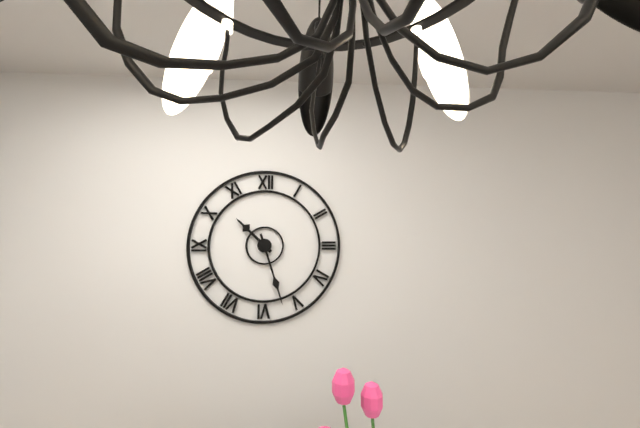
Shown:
10 h 27 min
